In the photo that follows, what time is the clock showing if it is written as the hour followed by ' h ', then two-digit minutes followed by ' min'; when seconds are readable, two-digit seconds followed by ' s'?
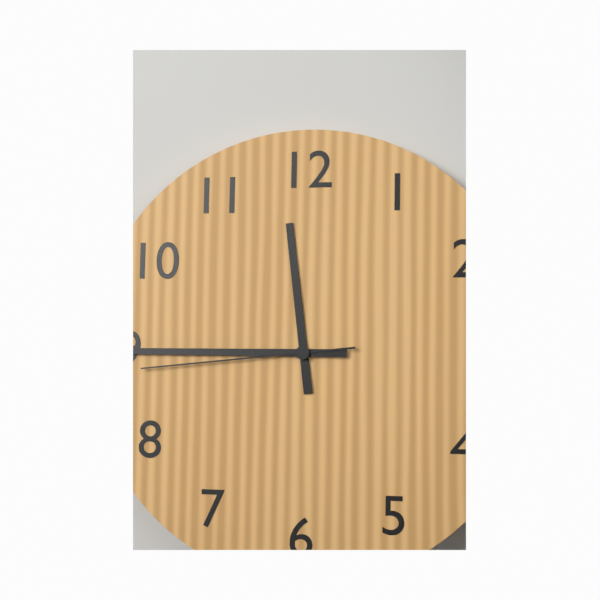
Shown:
11 h 45 min 44 s
